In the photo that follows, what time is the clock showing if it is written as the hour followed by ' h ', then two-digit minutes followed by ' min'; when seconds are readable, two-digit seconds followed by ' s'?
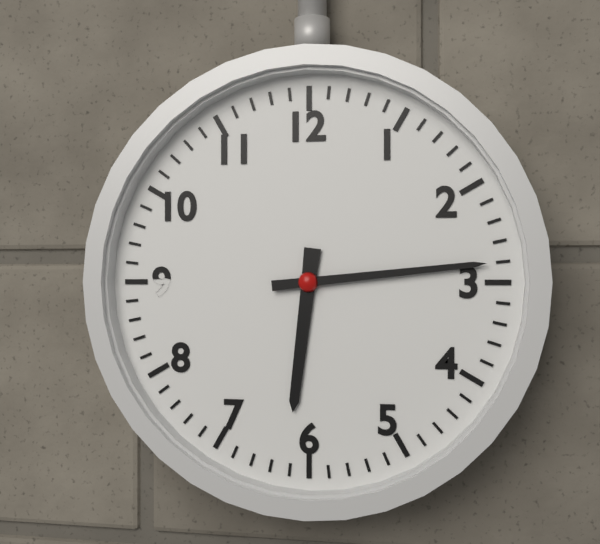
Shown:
6 h 14 min
